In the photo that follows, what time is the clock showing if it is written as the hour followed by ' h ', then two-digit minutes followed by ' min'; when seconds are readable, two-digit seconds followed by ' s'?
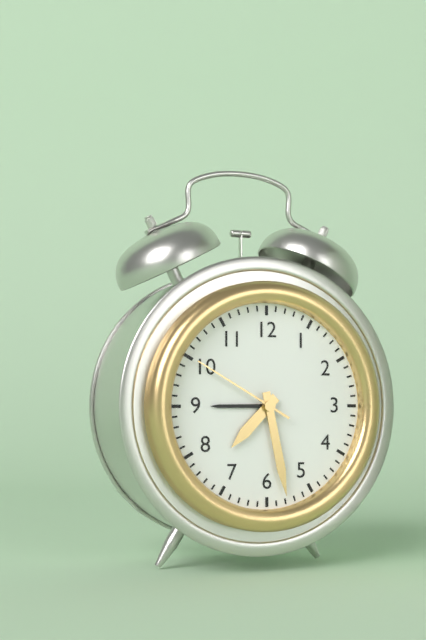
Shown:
7 h 28 min 50 s
